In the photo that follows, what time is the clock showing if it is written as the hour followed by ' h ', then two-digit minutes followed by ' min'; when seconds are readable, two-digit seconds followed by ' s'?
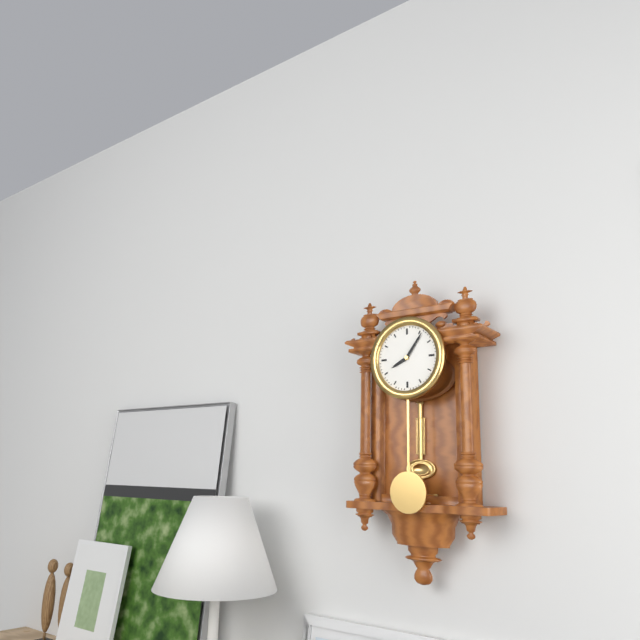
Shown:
8 h 06 min
